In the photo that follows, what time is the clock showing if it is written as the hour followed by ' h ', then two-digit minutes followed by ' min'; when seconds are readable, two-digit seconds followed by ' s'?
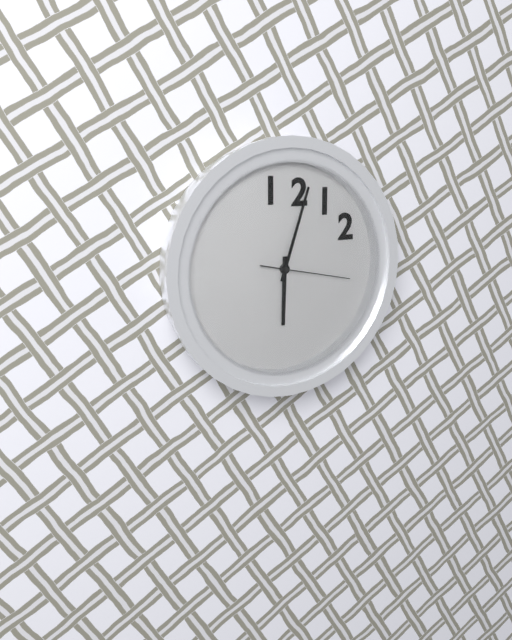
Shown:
6 h 03 min 17 s
